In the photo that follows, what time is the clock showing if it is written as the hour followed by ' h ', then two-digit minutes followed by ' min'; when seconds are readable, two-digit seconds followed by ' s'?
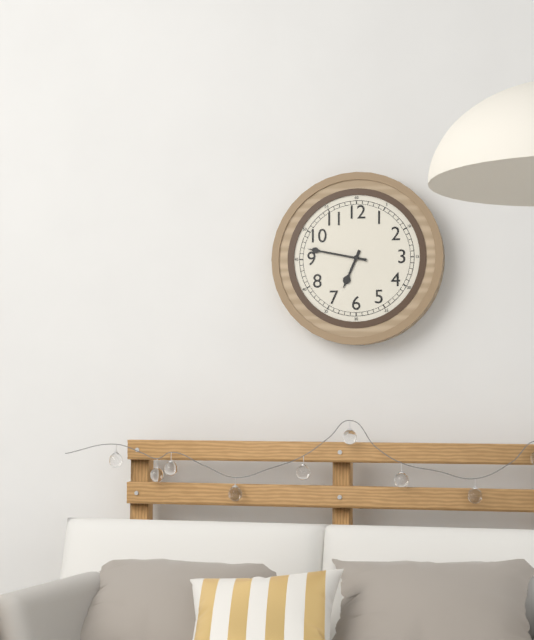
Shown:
6 h 47 min
